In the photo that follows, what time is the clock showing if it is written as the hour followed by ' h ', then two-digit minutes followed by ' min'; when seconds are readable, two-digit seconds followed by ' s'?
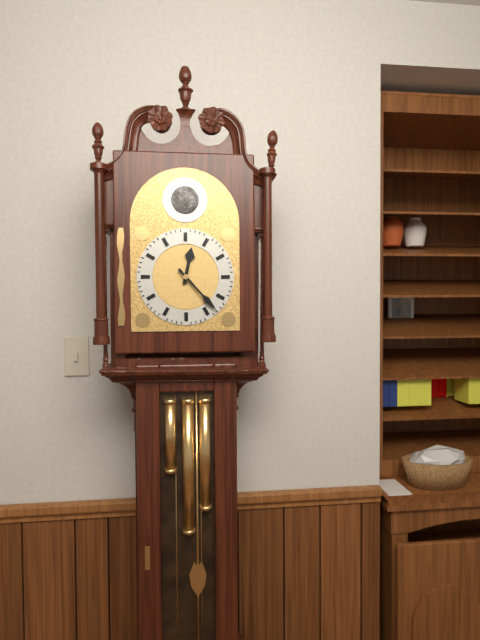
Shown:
12 h 23 min
